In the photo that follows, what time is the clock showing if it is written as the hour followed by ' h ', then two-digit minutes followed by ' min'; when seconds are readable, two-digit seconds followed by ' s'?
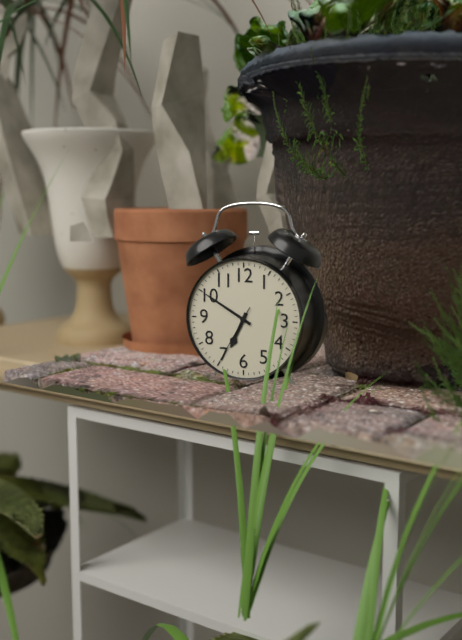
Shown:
6 h 50 min 35 s
